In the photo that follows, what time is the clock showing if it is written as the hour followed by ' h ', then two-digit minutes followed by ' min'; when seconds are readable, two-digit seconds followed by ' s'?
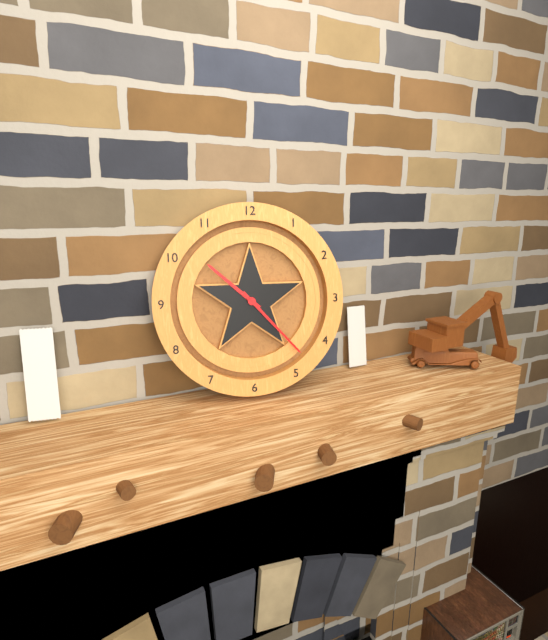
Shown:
10 h 23 min
